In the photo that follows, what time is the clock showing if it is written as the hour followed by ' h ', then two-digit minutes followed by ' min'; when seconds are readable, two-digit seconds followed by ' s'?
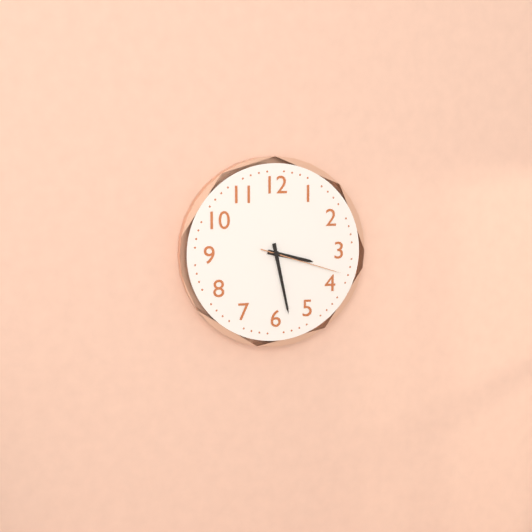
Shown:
3 h 28 min 18 s
